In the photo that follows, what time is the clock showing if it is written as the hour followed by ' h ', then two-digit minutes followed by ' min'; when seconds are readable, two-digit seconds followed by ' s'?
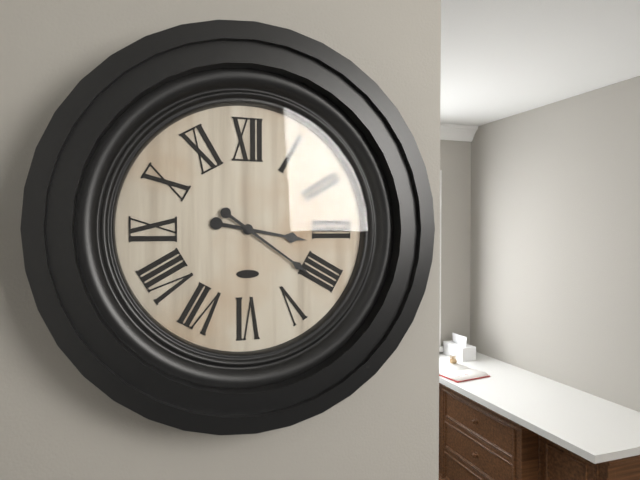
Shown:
3 h 21 min
